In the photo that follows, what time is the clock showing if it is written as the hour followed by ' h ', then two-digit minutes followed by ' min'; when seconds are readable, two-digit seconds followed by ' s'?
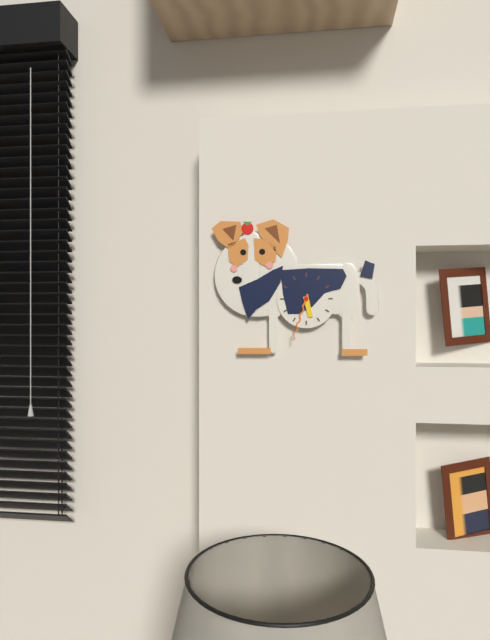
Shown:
5 h 33 min
